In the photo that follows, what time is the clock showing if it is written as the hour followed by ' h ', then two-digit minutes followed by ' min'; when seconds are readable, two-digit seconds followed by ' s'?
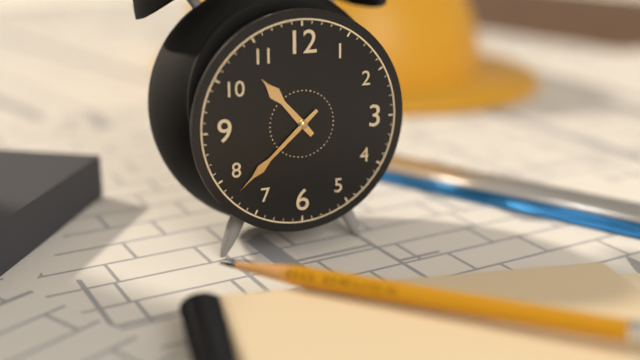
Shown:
10 h 38 min
